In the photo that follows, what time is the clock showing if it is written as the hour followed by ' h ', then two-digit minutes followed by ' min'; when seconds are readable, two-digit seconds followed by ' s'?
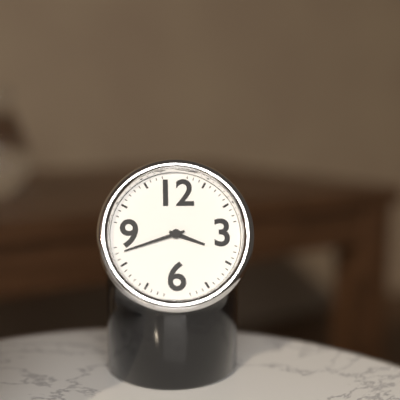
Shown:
3 h 42 min
